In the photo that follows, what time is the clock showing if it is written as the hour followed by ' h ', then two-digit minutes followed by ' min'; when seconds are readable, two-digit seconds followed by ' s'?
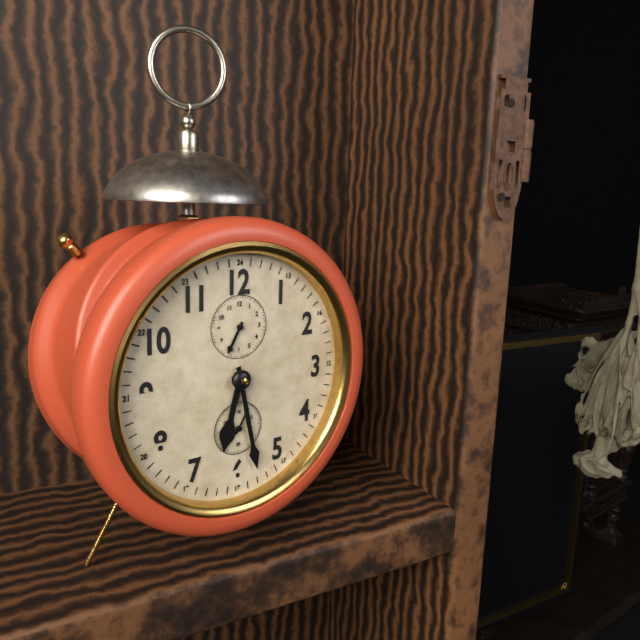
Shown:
6 h 28 min
